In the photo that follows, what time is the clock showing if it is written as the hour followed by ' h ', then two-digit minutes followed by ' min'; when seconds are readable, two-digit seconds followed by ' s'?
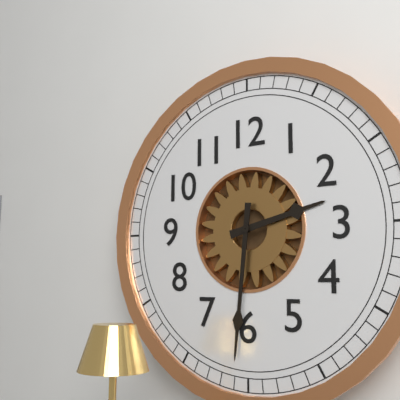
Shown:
2 h 31 min
